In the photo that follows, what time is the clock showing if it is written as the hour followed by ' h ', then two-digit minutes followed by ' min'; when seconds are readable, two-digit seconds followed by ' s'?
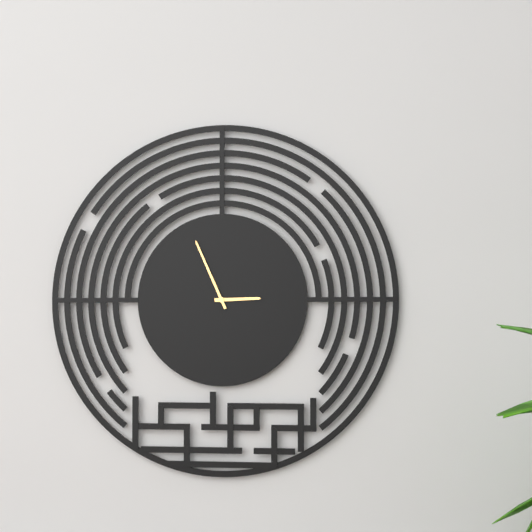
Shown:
2 h 56 min
